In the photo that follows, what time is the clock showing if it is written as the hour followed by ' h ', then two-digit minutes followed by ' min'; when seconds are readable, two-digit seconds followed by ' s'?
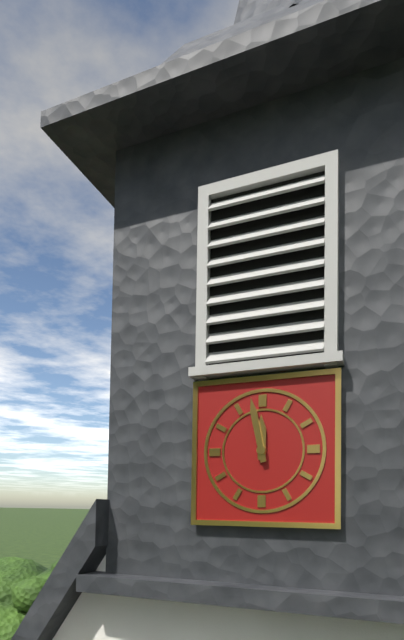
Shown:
11 h 58 min
